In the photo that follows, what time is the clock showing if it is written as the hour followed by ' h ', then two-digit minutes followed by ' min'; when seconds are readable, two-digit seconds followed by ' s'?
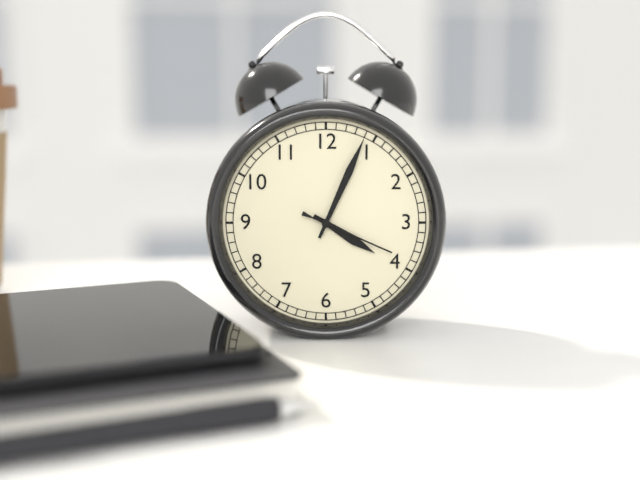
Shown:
4 h 04 min 19 s
